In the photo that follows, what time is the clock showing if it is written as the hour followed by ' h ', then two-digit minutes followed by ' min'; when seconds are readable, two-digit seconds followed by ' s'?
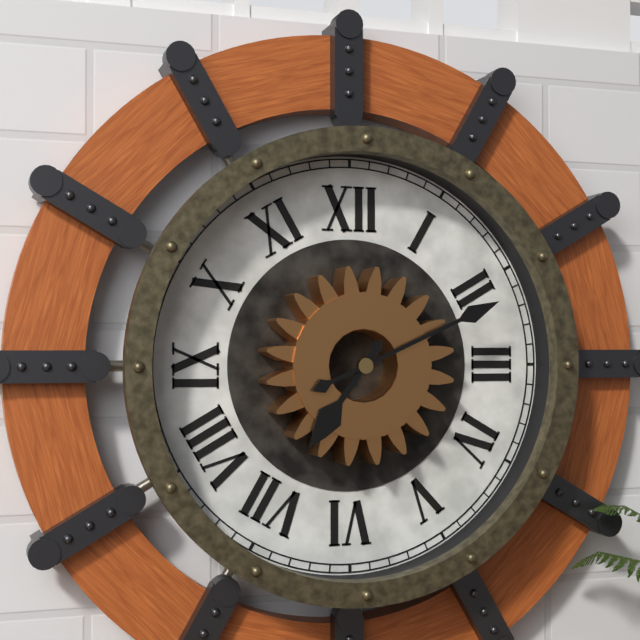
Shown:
7 h 11 min
